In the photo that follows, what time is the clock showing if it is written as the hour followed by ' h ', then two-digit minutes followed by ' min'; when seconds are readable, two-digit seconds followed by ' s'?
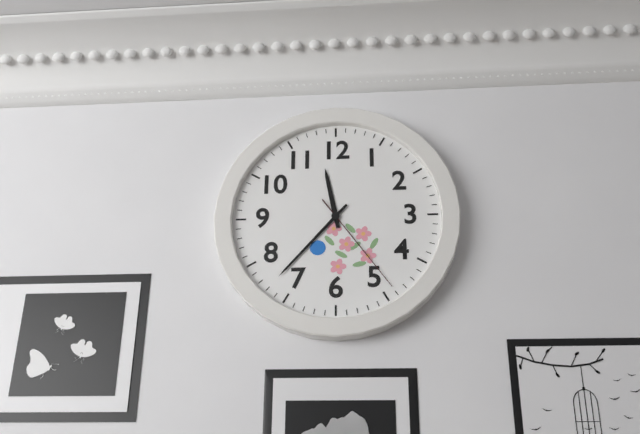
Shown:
11 h 37 min 24 s
